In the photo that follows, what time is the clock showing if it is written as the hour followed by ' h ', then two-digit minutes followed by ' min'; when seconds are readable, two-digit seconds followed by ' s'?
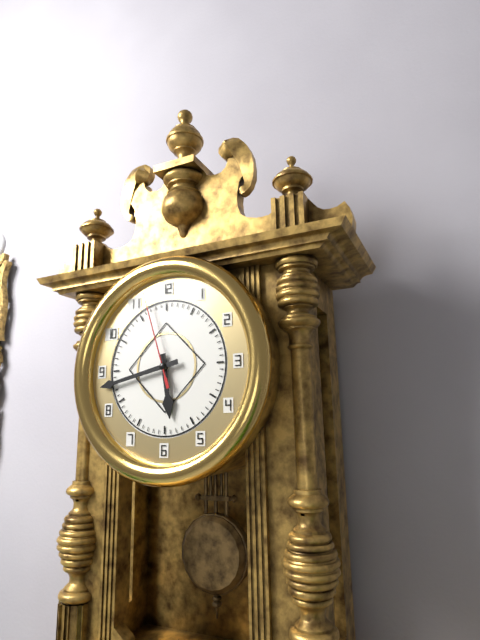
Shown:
5 h 43 min 57 s
